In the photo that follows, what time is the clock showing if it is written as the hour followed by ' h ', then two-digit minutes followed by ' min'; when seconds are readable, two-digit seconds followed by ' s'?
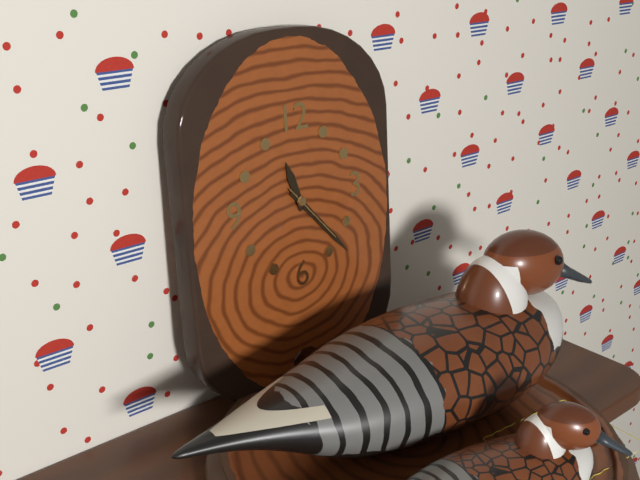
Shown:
11 h 23 min 23 s
